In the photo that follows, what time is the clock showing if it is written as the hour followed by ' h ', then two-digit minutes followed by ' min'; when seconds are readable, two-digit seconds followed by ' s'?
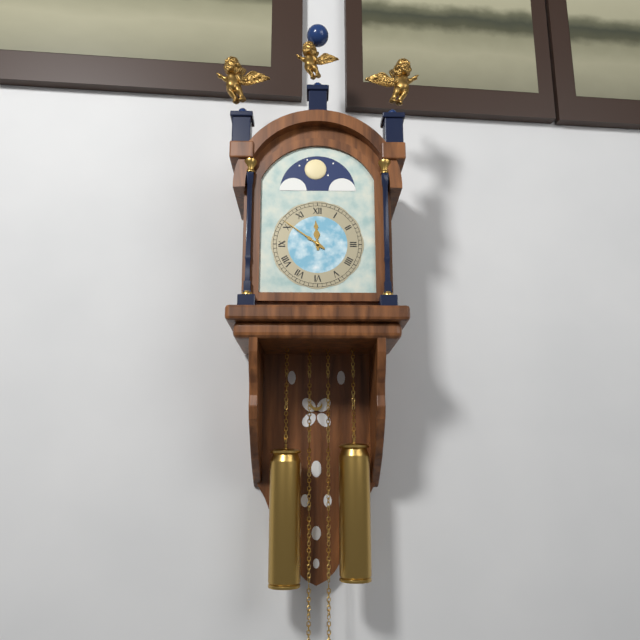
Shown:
11 h 51 min
